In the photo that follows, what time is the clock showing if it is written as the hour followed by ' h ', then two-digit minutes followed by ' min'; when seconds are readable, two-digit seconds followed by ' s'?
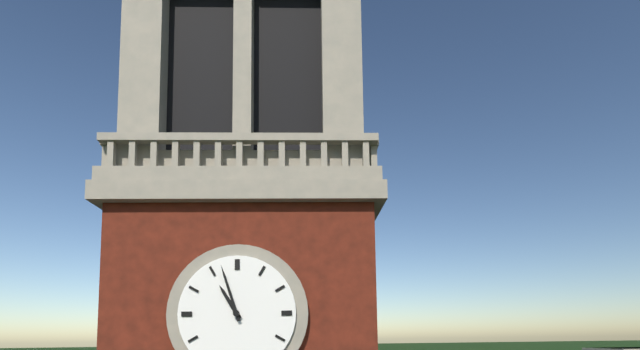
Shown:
10 h 57 min
